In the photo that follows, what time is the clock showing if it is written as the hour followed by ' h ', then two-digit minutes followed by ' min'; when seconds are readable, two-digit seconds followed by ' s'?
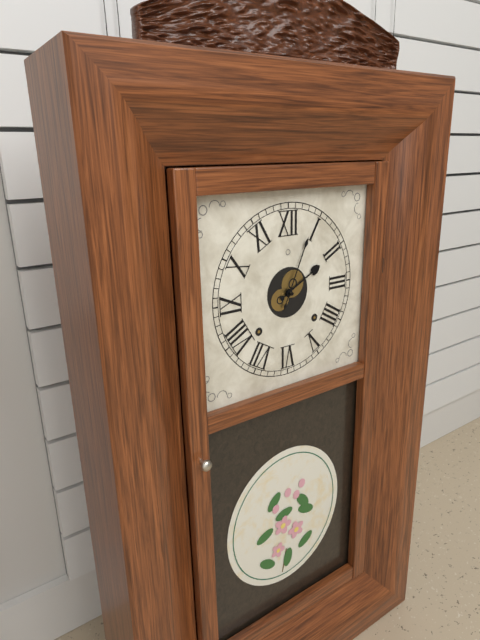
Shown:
2 h 04 min
